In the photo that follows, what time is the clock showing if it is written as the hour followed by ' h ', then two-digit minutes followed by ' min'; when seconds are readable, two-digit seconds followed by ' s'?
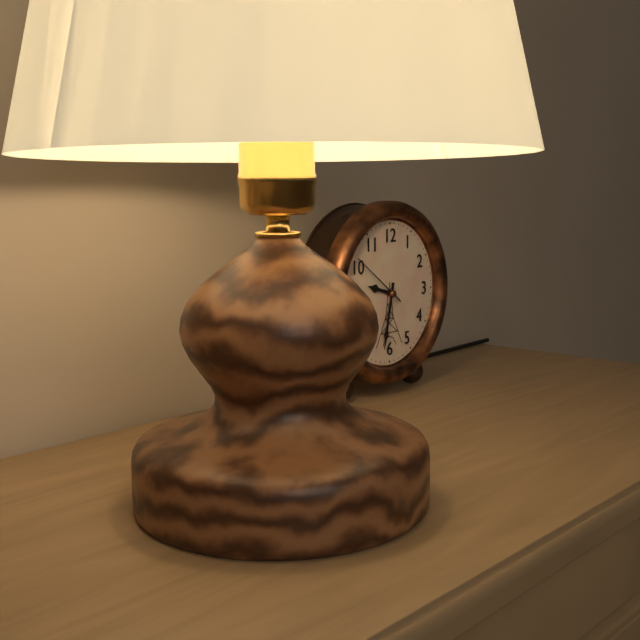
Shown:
9 h 32 min 51 s
